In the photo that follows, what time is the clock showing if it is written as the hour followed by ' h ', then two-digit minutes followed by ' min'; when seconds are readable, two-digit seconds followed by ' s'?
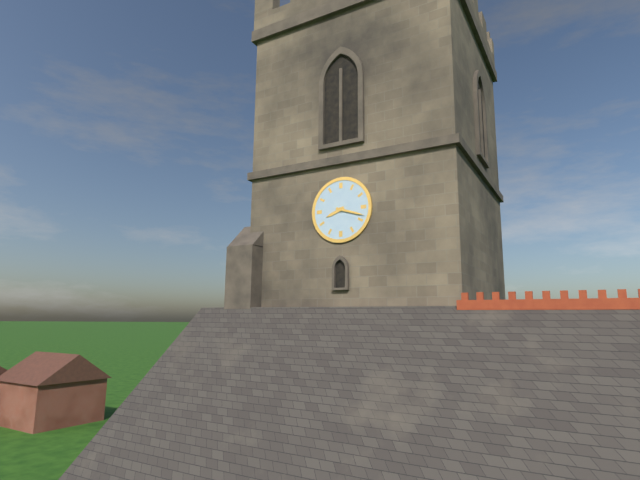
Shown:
8 h 18 min
